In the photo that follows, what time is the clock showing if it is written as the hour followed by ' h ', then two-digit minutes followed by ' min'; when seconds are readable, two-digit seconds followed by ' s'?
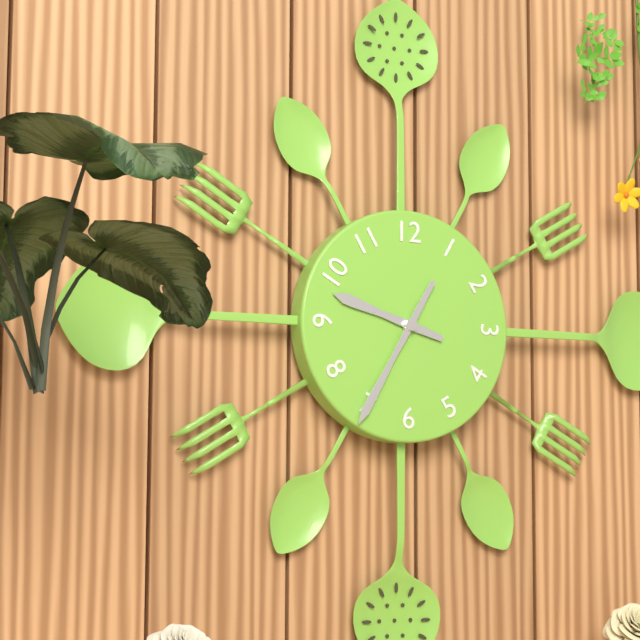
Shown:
9 h 35 min
